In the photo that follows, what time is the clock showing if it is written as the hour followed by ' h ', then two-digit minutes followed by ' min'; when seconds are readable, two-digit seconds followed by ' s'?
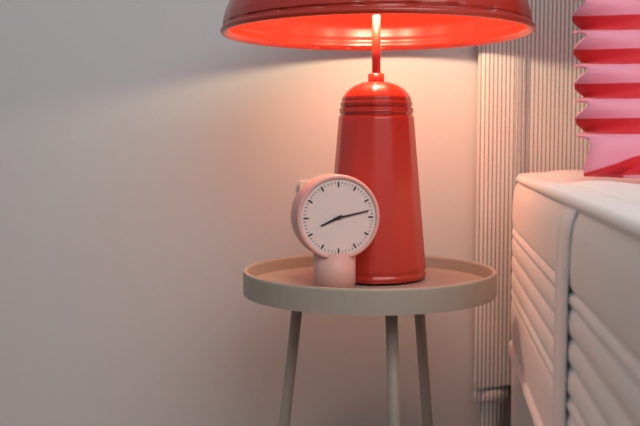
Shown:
8 h 13 min
